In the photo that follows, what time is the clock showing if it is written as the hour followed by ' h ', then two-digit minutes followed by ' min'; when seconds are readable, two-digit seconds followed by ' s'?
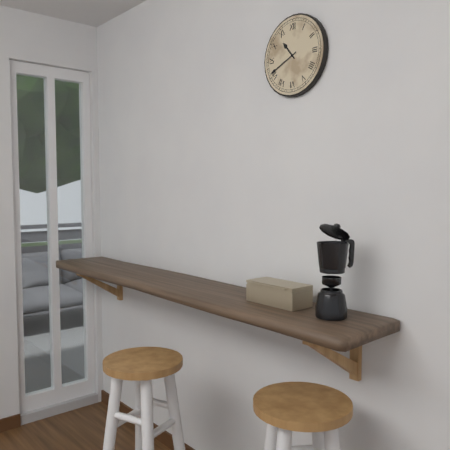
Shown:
10 h 41 min
